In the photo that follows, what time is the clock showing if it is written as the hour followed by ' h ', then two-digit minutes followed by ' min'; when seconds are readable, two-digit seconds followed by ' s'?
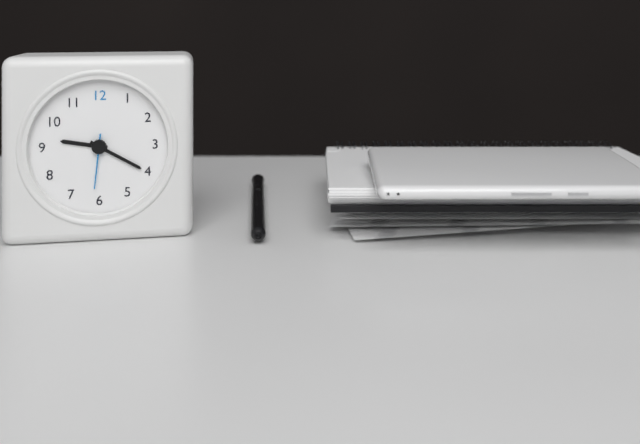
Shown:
9 h 20 min 31 s
